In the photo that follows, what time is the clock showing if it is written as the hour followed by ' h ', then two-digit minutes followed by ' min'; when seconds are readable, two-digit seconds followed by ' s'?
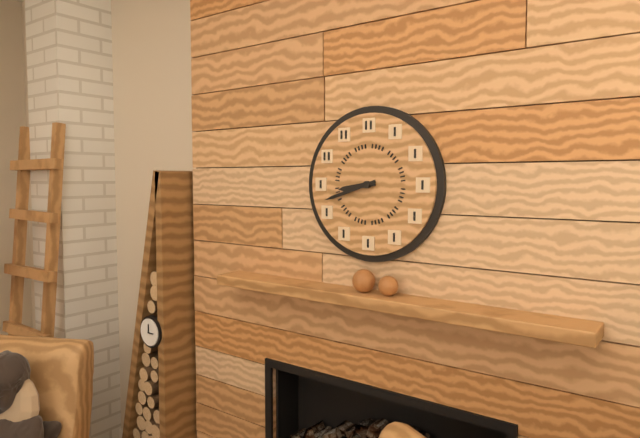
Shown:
8 h 42 min
